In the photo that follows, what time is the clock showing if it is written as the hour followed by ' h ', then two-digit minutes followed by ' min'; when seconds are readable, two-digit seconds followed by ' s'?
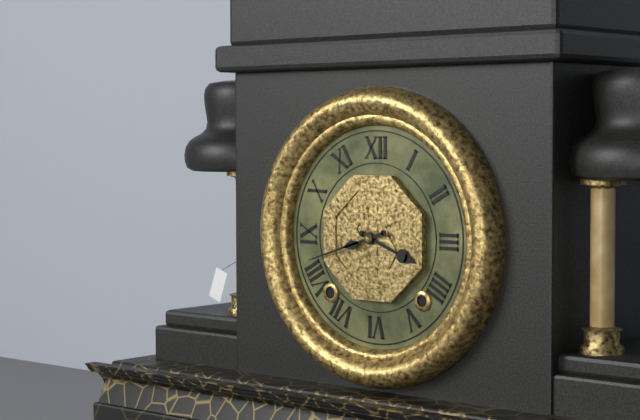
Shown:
3 h 42 min
